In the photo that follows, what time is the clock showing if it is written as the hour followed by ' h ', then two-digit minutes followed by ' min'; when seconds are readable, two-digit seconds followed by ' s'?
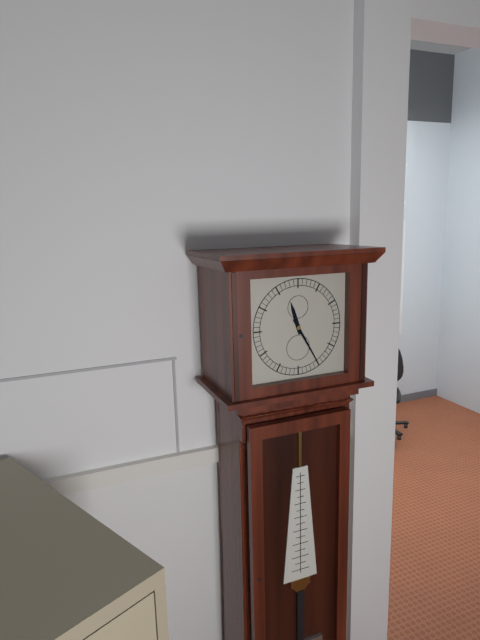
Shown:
11 h 25 min
